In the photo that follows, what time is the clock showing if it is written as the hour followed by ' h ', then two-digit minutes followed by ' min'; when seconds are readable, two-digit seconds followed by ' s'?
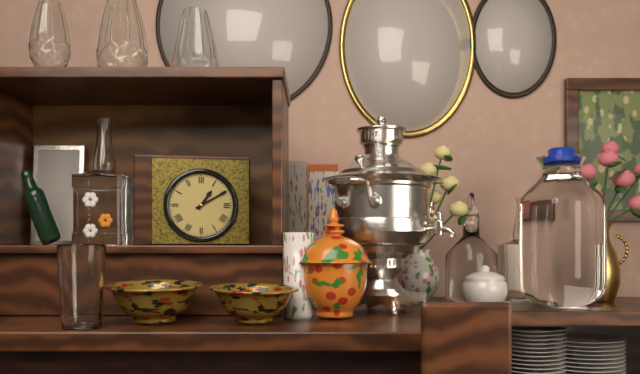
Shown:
1 h 10 min
